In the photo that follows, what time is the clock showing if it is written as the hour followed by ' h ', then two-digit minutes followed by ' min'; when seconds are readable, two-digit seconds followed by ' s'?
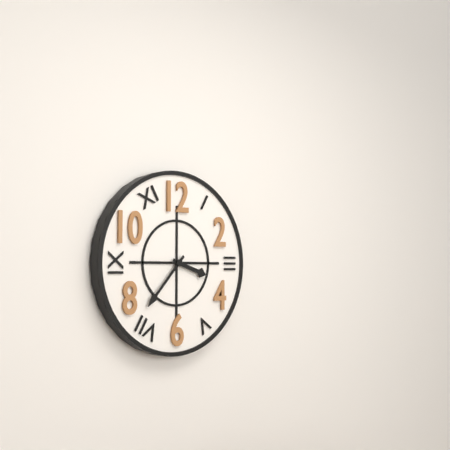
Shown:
3 h 37 min
